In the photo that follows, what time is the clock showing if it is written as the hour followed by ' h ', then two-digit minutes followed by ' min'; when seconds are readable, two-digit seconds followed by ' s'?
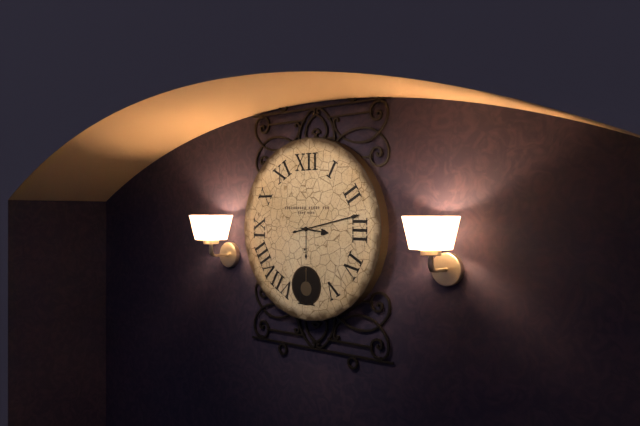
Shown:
3 h 13 min
